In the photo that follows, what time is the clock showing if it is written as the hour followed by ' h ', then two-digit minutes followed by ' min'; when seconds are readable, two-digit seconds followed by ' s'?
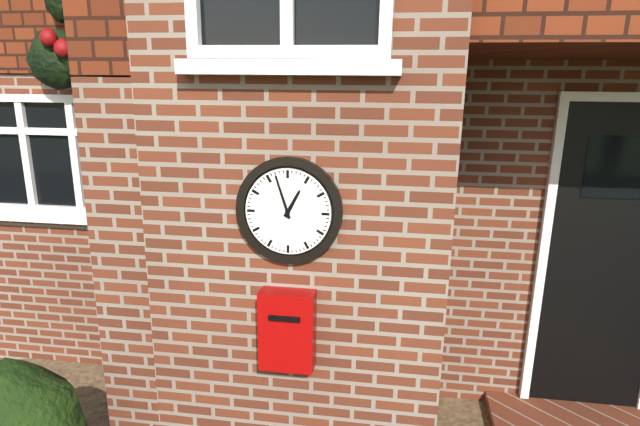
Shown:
12 h 57 min
